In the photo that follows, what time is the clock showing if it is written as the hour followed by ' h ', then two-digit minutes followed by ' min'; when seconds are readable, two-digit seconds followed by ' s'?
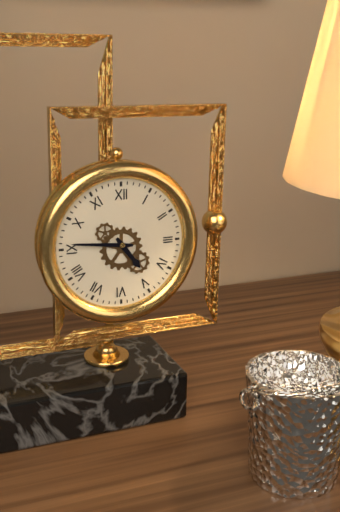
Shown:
4 h 46 min
